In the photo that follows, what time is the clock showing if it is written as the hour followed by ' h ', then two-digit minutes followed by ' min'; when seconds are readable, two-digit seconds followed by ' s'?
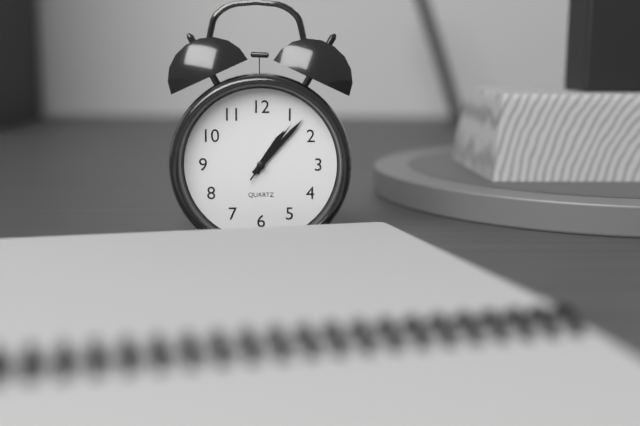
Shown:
1 h 07 min 06 s
